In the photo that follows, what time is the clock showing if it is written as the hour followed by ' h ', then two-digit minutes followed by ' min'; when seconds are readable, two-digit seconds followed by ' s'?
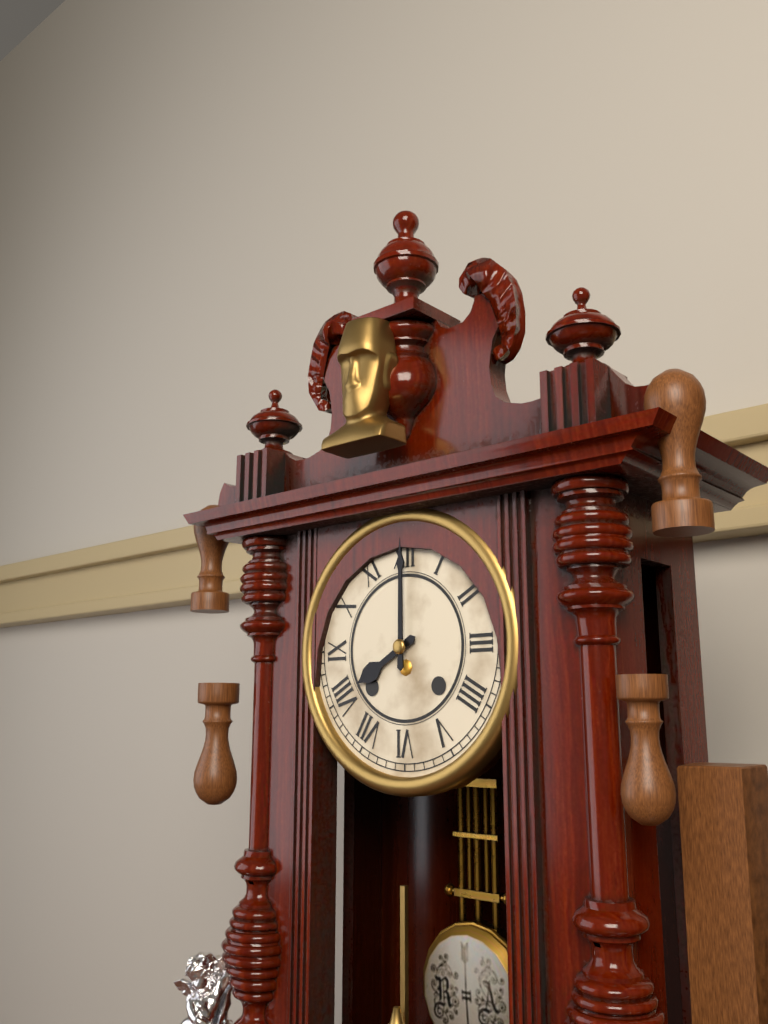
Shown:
8 h 00 min
